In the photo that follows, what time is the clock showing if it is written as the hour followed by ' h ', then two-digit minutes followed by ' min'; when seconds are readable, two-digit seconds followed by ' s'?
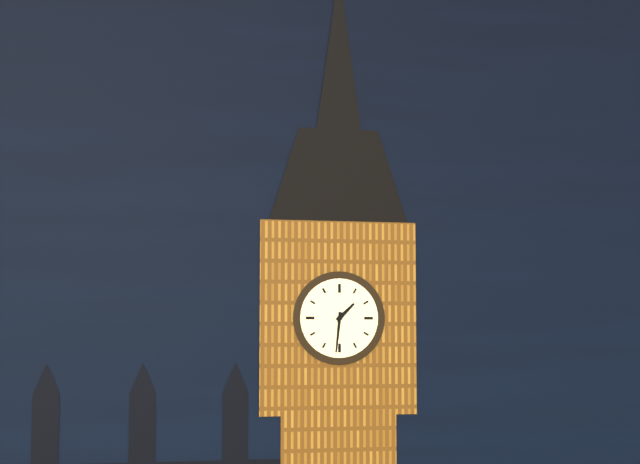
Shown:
1 h 31 min
